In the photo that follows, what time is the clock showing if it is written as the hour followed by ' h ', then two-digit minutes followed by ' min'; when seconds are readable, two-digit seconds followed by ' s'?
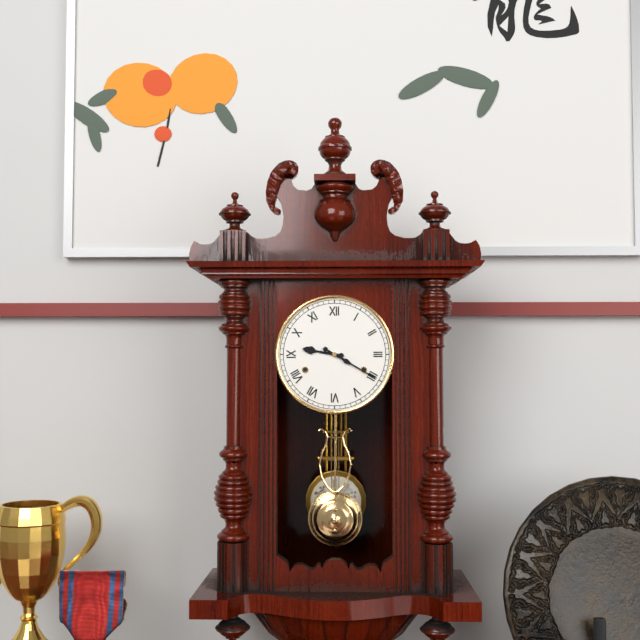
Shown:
9 h 20 min
